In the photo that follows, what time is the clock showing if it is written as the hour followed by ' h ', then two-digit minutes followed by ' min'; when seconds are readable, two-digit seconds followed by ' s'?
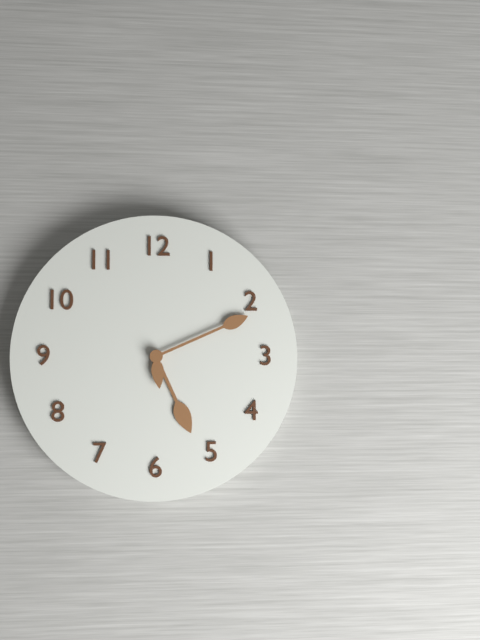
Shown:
5 h 11 min
